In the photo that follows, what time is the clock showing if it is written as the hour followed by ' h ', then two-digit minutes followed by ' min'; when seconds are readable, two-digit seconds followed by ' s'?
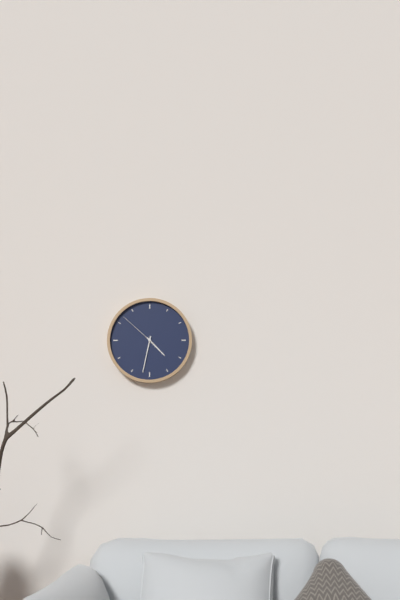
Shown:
4 h 32 min
